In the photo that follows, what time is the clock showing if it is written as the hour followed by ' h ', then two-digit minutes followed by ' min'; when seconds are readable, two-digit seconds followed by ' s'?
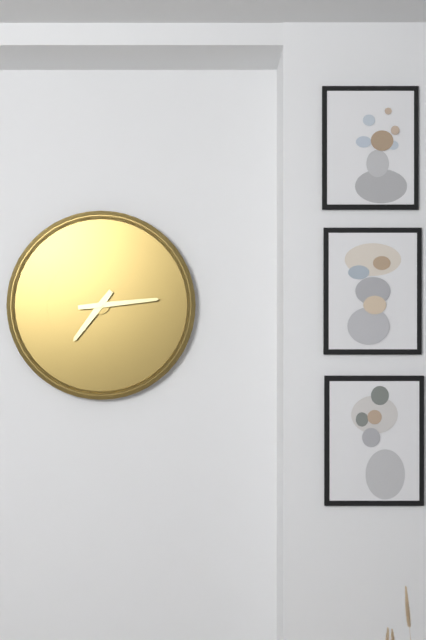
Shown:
7 h 14 min
